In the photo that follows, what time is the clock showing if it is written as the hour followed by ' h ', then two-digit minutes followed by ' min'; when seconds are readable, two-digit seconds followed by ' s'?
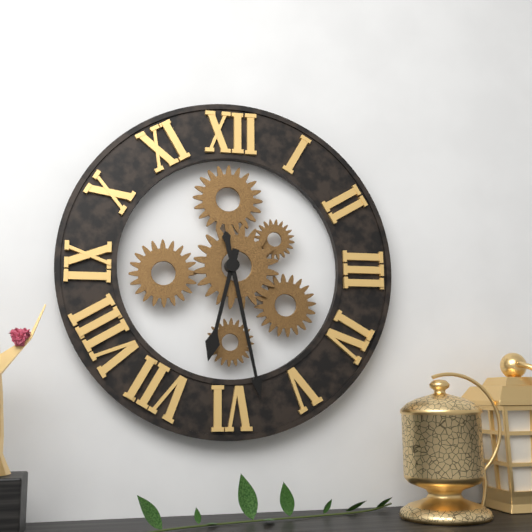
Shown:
6 h 28 min
